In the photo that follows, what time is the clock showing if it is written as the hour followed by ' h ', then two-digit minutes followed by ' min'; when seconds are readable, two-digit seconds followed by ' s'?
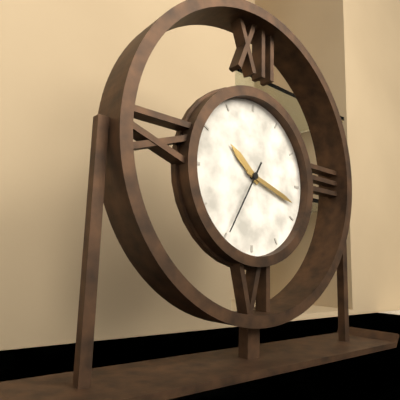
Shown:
10 h 18 min 35 s
